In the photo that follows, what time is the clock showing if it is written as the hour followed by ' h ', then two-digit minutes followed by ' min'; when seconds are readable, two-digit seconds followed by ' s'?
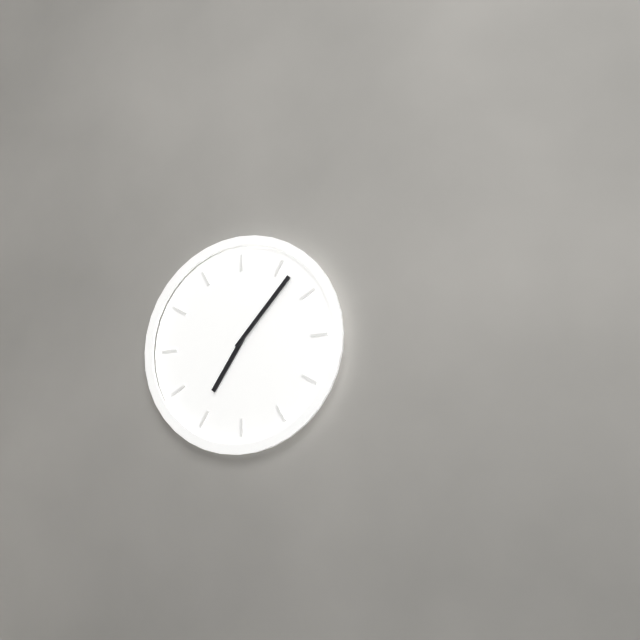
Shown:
7 h 07 min
